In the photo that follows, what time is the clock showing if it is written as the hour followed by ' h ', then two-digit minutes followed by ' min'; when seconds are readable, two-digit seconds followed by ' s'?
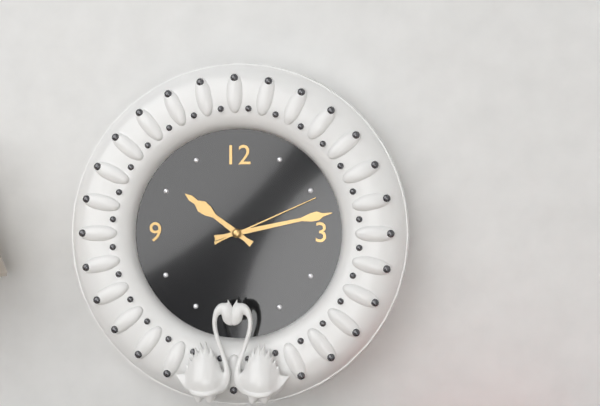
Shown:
10 h 13 min 11 s
